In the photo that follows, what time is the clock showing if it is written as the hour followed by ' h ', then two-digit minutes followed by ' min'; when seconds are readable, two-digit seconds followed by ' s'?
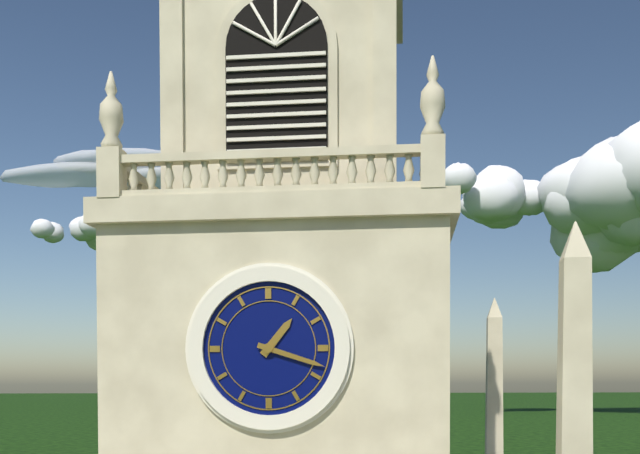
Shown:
1 h 18 min
